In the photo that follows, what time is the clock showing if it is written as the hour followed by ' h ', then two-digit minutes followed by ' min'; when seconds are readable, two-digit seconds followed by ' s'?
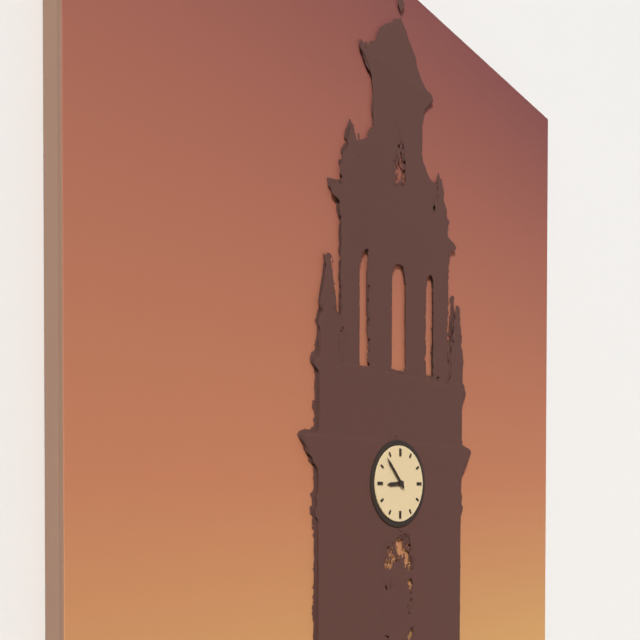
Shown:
8 h 53 min
